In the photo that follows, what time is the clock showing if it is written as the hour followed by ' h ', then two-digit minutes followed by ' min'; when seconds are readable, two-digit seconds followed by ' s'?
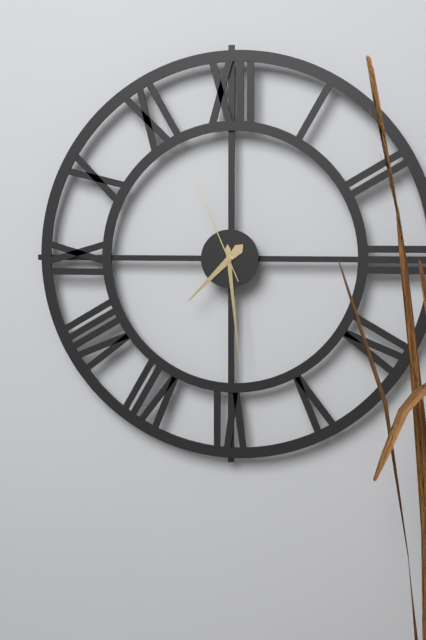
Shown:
7 h 29 min 56 s
